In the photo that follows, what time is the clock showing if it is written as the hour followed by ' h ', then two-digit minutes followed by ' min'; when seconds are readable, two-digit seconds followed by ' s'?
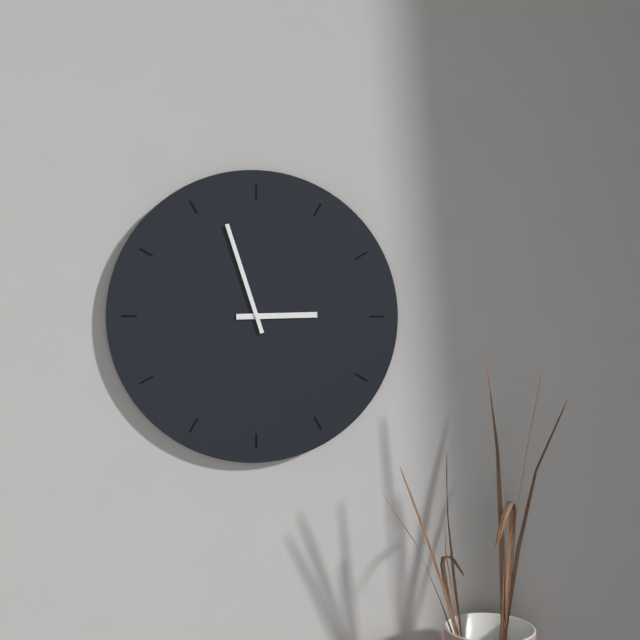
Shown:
2 h 57 min
